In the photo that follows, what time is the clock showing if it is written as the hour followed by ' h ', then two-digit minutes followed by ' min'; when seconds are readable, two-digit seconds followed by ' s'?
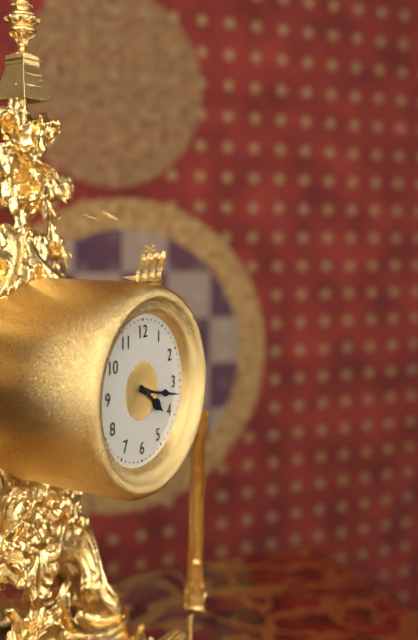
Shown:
4 h 17 min
